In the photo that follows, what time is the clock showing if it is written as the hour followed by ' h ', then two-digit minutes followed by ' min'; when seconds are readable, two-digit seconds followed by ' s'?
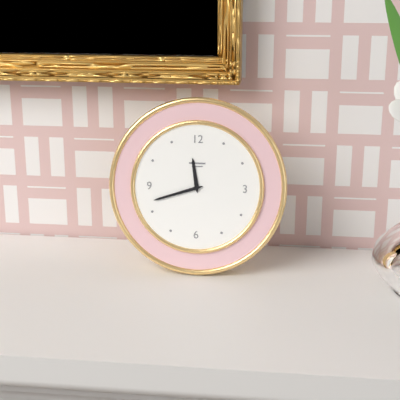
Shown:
11 h 42 min
